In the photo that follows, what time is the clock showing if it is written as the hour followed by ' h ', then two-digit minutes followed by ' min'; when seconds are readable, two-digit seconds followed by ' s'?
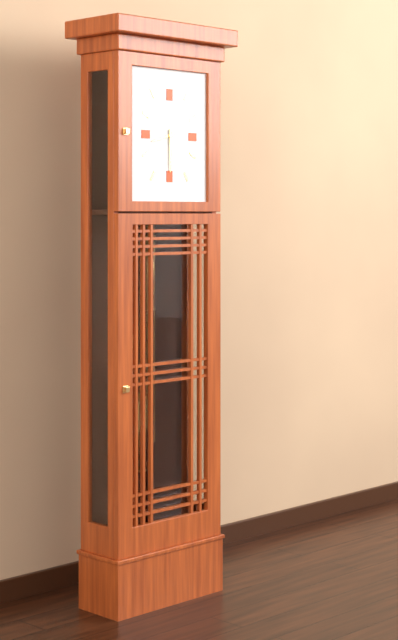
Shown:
8 h 30 min
